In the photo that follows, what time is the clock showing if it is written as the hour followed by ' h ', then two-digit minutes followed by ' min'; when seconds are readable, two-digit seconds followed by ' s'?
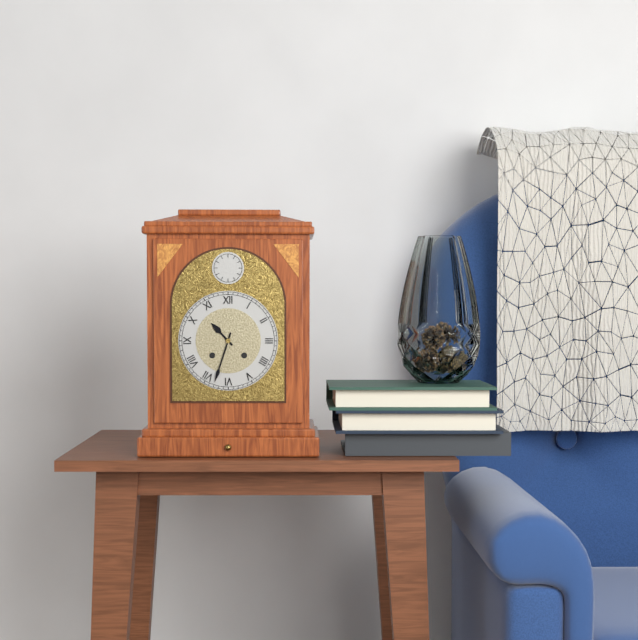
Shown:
10 h 33 min
